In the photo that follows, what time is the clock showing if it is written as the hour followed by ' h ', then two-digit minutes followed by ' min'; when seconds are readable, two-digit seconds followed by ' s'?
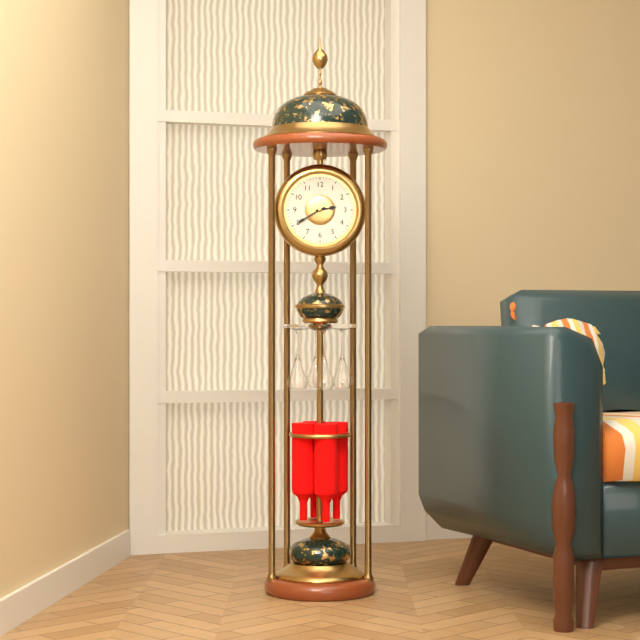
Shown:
2 h 40 min
